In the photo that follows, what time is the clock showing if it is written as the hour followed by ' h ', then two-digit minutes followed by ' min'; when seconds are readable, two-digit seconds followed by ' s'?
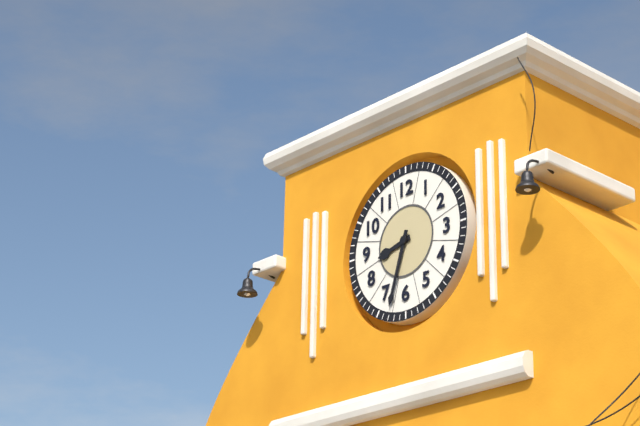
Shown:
8 h 33 min
